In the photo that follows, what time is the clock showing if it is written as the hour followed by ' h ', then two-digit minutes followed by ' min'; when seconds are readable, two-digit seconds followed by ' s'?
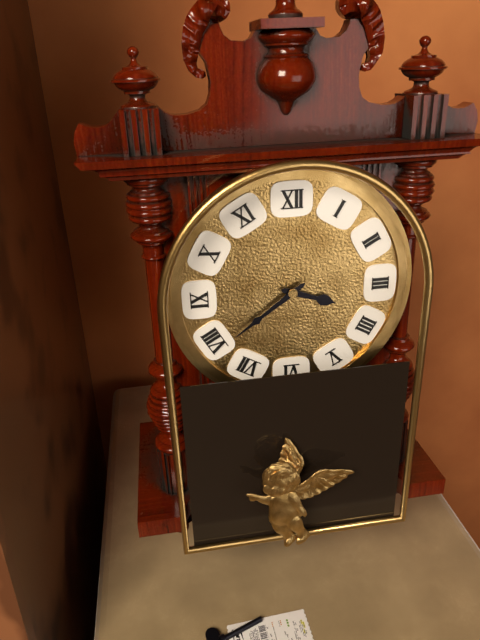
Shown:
3 h 39 min
